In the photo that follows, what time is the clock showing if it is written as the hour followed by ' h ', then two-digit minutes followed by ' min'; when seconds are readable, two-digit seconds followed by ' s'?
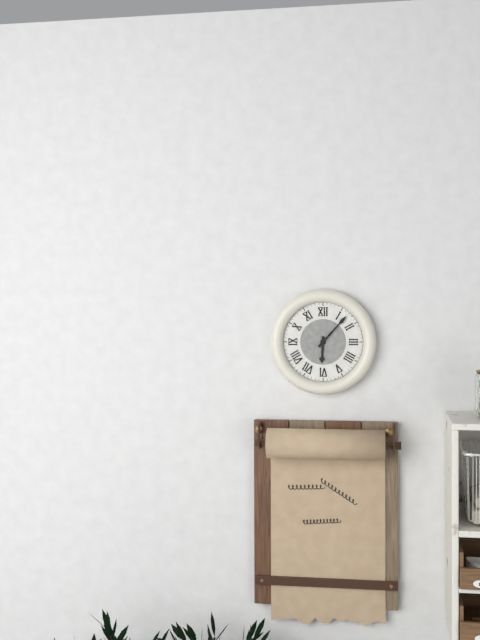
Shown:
6 h 07 min
